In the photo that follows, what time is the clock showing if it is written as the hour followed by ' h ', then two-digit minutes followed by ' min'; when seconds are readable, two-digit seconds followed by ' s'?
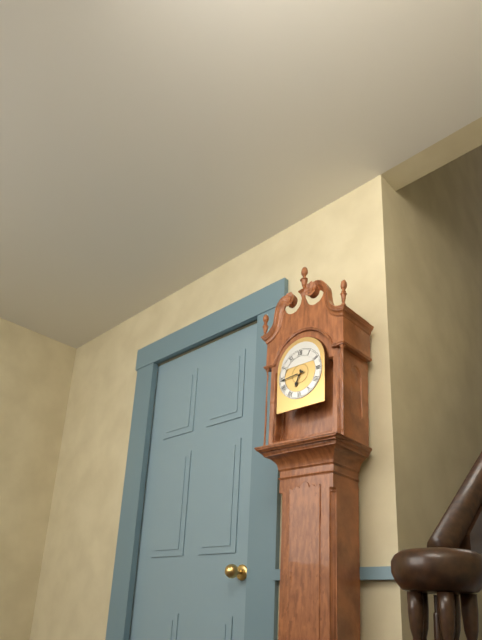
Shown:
6 h 44 min
